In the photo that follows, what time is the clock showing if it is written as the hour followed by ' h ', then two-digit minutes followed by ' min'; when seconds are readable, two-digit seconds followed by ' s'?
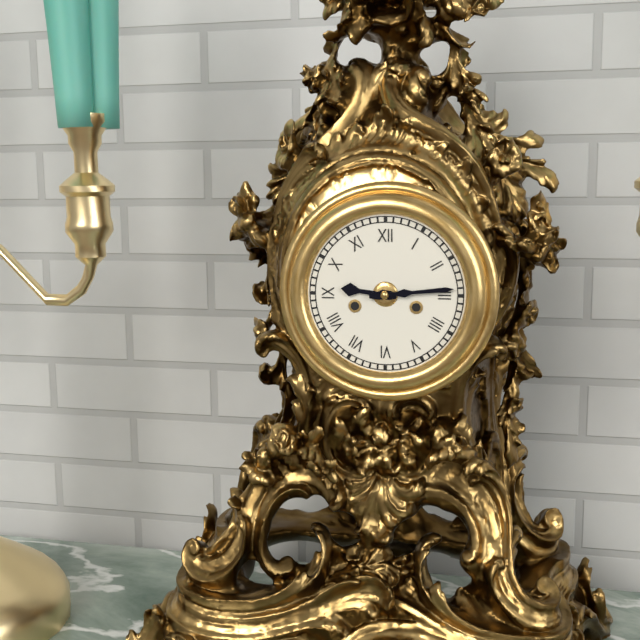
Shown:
9 h 14 min
